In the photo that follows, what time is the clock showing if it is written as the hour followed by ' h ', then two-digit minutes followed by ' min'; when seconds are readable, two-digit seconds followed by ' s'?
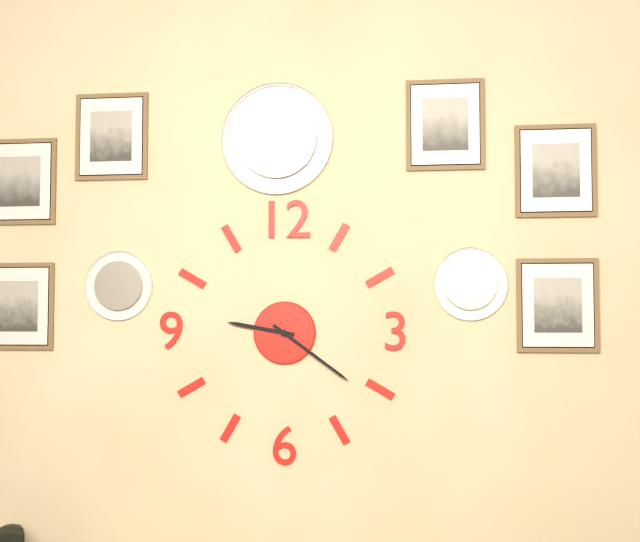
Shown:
9 h 21 min
